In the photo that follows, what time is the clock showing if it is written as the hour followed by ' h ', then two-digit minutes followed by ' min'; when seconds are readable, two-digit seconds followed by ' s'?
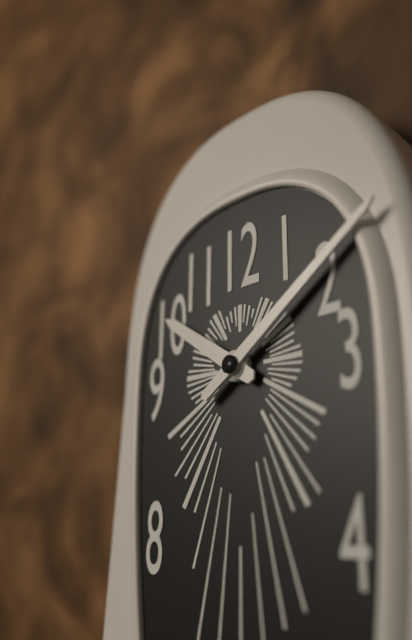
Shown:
10 h 09 min
